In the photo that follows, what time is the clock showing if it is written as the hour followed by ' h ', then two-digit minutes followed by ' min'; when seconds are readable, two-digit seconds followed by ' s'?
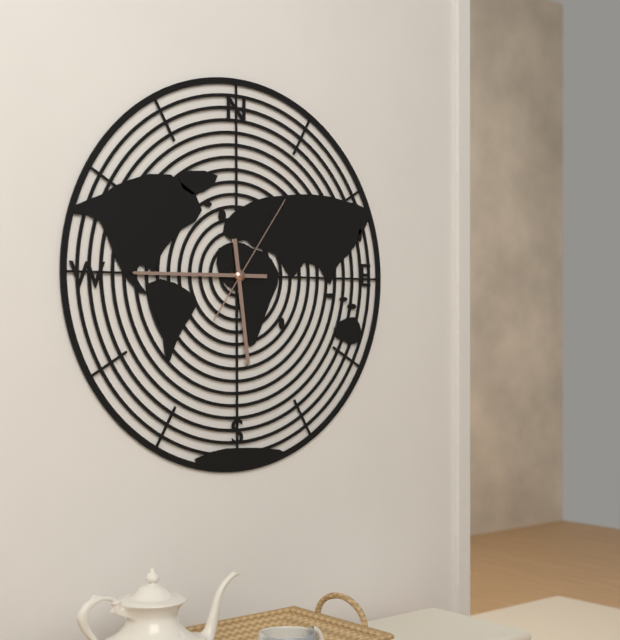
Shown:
5 h 45 min 06 s
